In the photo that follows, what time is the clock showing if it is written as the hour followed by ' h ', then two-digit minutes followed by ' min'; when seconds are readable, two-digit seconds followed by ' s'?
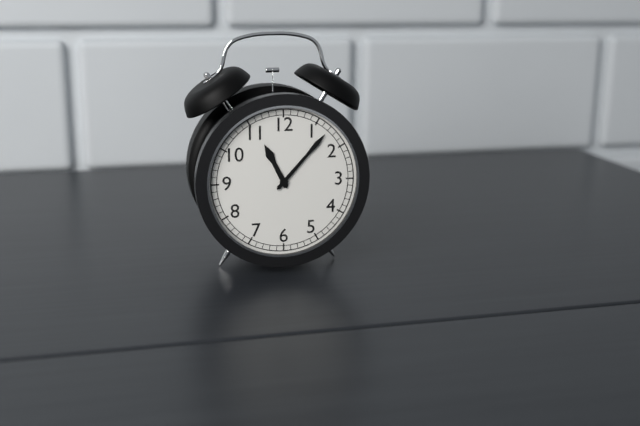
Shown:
11 h 07 min
